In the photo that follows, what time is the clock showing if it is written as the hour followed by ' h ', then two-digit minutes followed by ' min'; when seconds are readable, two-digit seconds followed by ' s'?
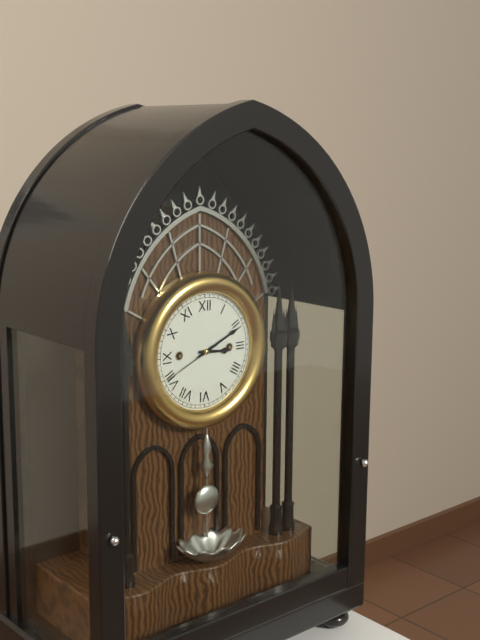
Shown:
3 h 11 min 41 s
